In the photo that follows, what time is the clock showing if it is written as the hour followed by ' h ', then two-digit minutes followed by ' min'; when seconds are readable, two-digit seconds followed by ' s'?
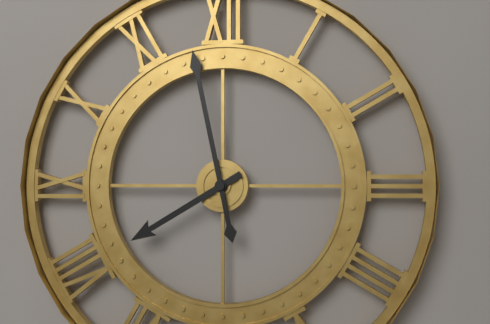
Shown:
7 h 58 min
